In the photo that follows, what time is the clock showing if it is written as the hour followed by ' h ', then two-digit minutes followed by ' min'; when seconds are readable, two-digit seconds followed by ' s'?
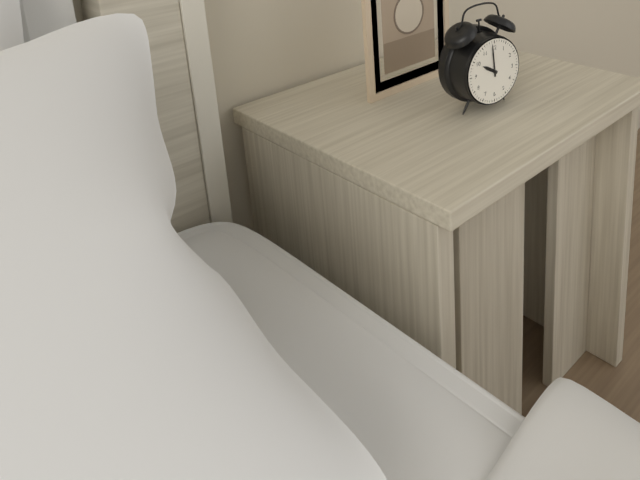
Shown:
9 h 59 min
